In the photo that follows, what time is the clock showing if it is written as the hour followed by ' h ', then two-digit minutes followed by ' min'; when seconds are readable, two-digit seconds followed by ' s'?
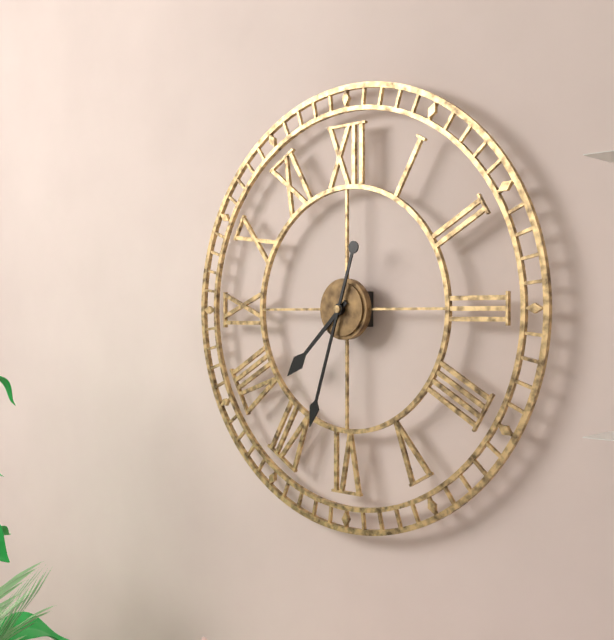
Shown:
7 h 33 min
